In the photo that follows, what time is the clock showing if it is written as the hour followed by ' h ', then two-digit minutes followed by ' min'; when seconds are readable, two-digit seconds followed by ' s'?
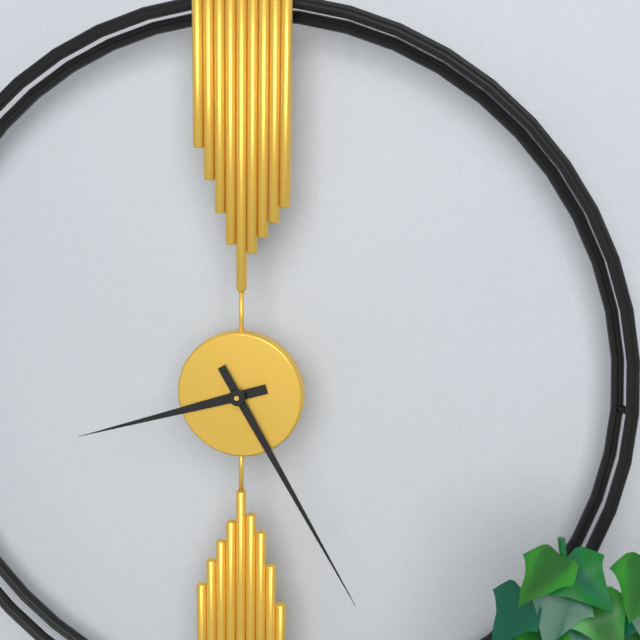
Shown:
8 h 25 min
